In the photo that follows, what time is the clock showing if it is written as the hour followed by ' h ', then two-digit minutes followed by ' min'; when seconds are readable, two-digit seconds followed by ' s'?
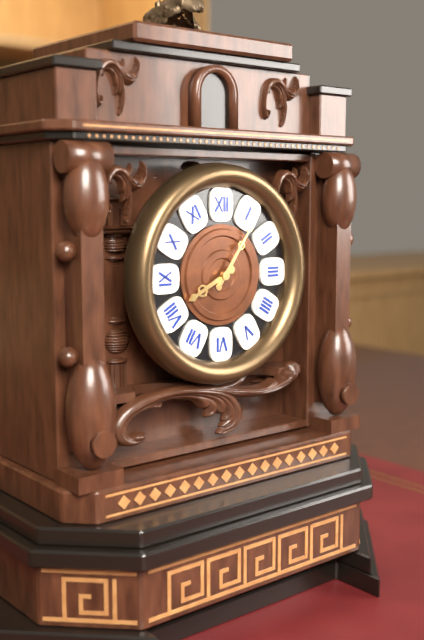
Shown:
8 h 06 min
